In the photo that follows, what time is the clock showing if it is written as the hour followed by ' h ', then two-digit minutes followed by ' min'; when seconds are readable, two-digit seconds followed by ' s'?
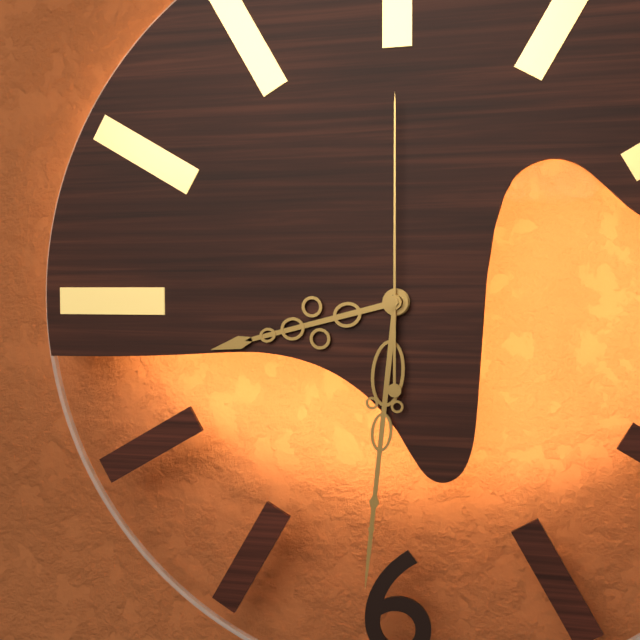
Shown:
8 h 31 min 00 s
